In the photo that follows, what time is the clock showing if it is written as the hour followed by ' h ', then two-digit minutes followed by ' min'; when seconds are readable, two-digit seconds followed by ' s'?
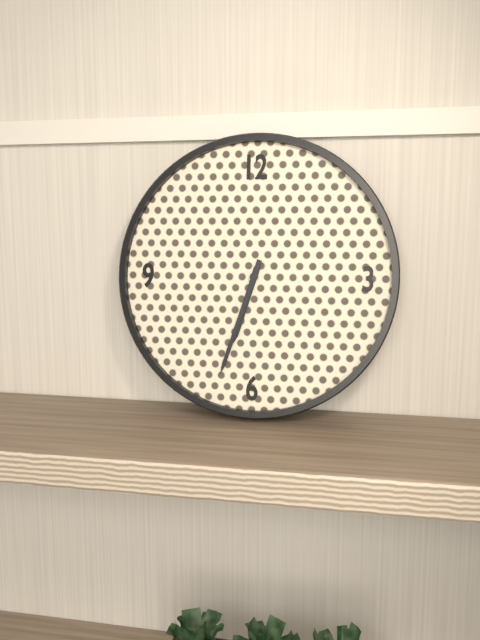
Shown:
6 h 33 min
